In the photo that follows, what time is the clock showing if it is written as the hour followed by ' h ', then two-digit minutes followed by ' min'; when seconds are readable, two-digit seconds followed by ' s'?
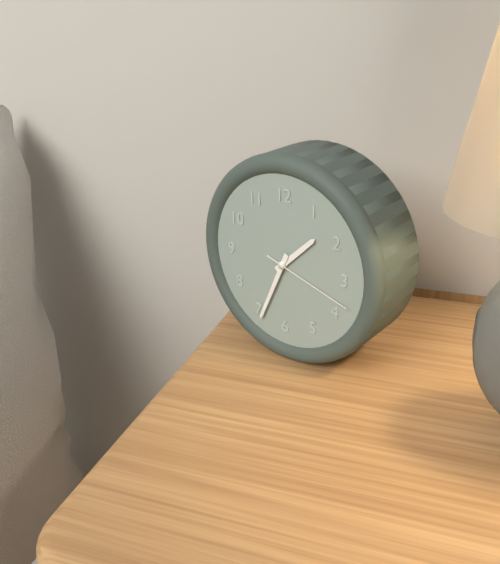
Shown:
1 h 34 min 18 s
